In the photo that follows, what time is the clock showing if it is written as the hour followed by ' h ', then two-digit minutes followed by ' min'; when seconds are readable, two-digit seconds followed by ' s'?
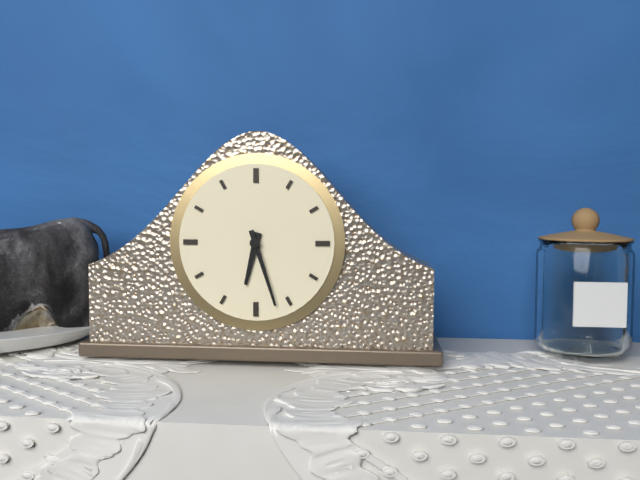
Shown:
6 h 27 min
